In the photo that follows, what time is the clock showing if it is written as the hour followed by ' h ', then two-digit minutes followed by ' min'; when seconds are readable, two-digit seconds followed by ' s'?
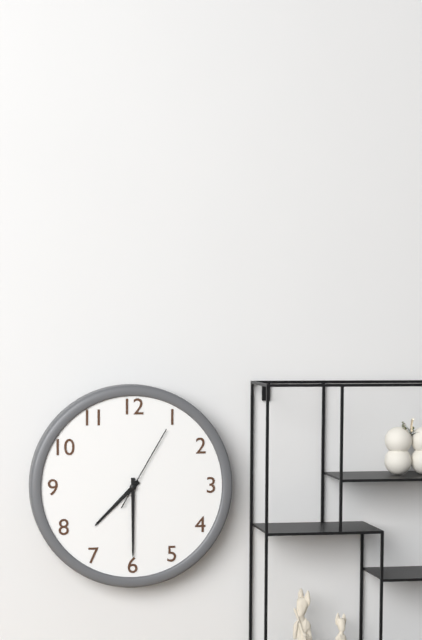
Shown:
7 h 30 min 05 s
